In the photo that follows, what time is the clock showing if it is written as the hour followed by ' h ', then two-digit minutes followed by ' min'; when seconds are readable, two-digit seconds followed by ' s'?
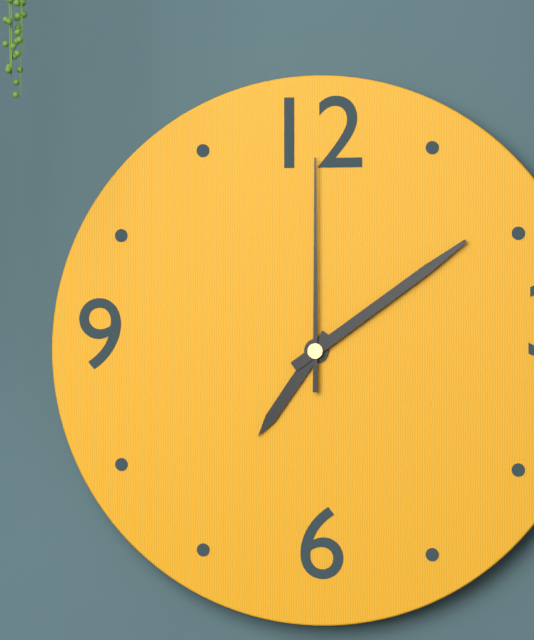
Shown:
7 h 09 min 00 s
